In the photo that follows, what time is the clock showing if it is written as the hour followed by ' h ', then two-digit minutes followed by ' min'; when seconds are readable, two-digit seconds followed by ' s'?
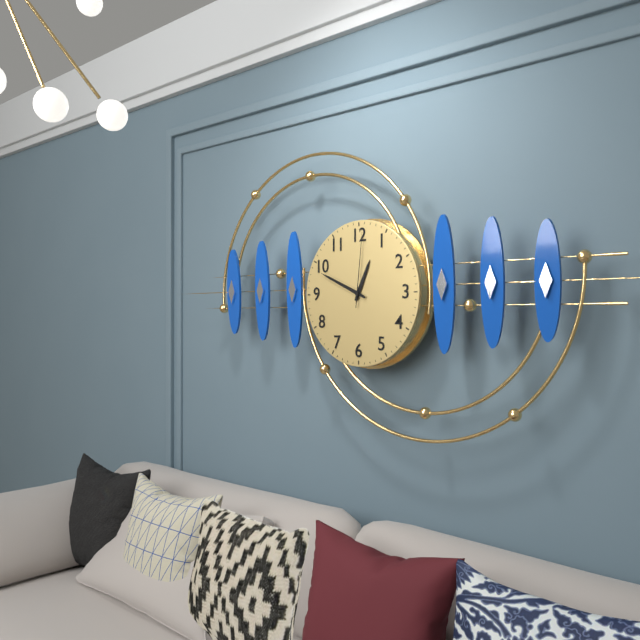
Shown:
12 h 49 min 01 s
